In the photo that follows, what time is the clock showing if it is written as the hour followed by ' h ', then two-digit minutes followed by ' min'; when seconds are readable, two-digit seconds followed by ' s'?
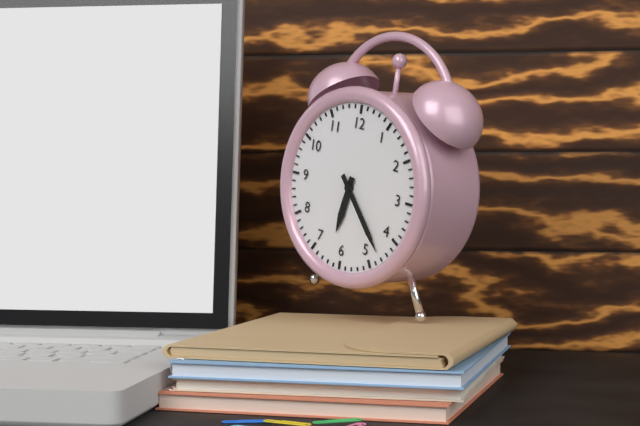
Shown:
6 h 23 min
